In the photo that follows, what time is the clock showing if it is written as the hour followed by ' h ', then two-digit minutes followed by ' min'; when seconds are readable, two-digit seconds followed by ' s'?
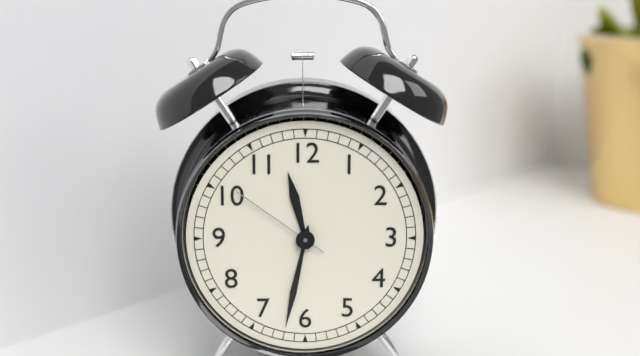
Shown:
11 h 32 min 51 s
